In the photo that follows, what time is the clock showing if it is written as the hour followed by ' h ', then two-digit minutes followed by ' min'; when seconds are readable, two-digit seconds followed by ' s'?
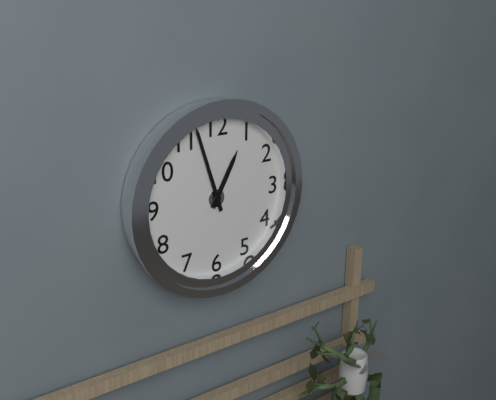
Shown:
12 h 57 min
